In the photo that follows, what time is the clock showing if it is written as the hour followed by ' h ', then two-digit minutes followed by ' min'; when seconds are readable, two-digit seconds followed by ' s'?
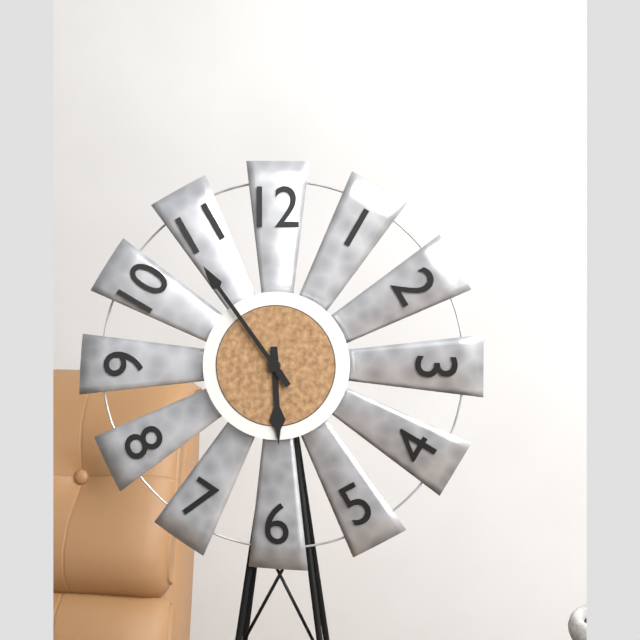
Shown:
5 h 54 min
